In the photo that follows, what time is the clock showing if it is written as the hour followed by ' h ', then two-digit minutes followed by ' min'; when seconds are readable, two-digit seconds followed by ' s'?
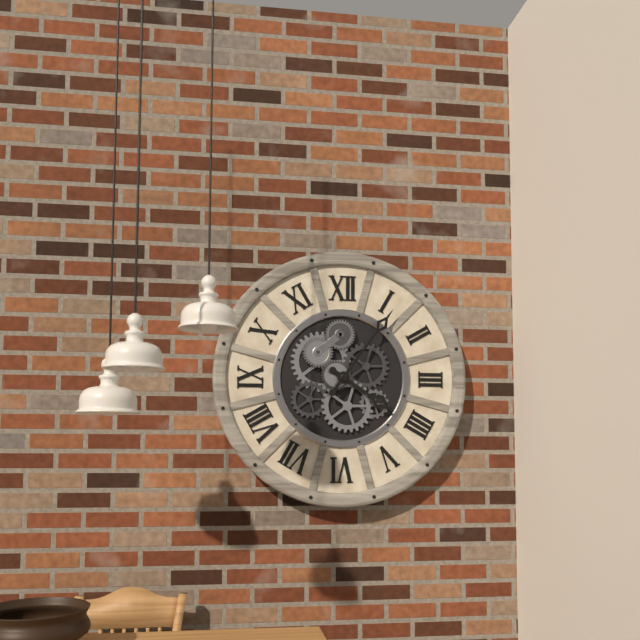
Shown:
4 h 06 min
